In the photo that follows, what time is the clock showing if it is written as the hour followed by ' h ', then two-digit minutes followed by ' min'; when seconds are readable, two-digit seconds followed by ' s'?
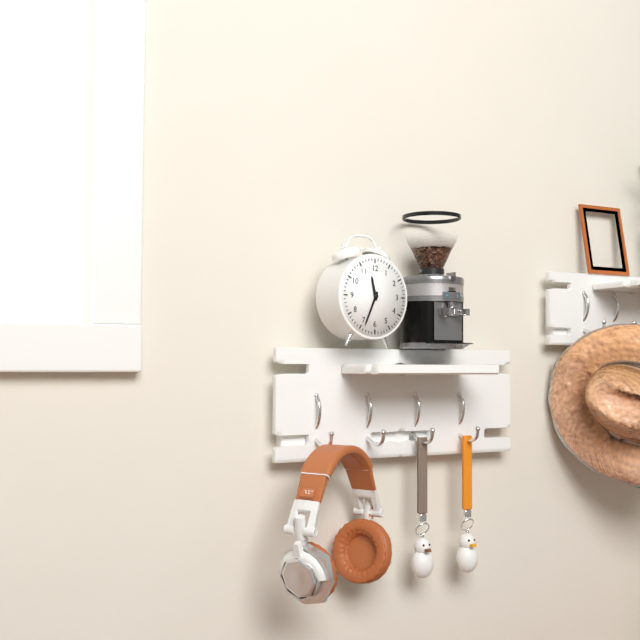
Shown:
11 h 34 min
